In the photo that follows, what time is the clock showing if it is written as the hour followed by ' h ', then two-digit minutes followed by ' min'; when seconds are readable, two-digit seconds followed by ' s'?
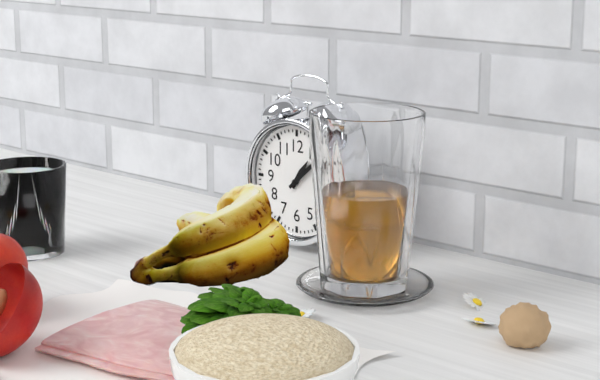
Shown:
1 h 08 min
